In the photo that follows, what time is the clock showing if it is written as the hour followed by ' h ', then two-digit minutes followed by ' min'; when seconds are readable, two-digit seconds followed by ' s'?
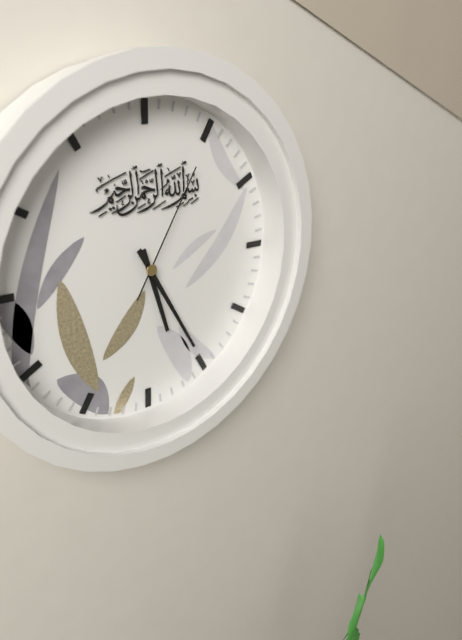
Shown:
5 h 25 min 05 s
